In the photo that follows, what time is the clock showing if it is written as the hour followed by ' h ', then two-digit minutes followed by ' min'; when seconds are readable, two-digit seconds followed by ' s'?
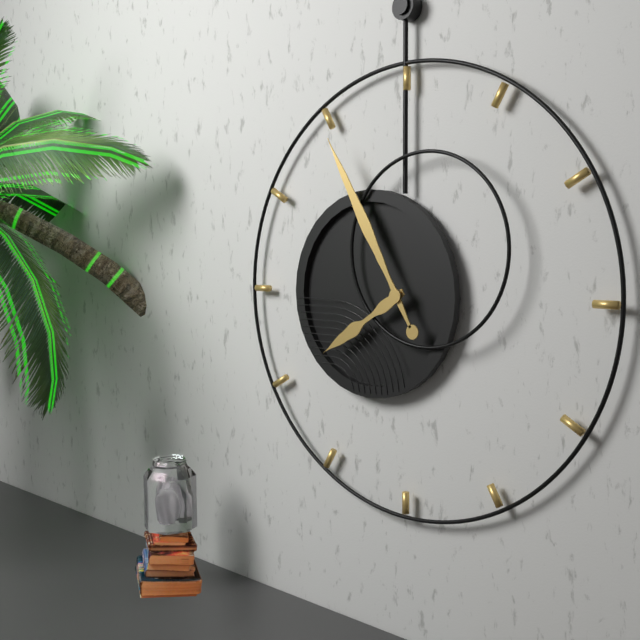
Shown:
7 h 55 min
